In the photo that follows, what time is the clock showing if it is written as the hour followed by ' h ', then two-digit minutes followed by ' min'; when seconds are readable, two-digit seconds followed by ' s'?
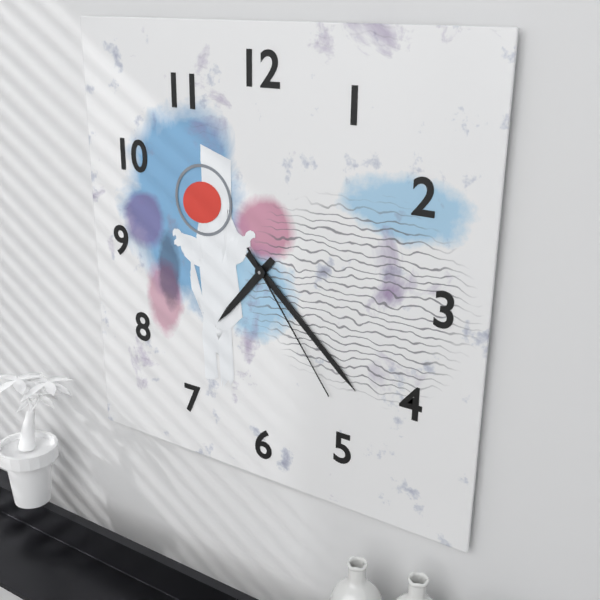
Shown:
7 h 22 min 24 s
